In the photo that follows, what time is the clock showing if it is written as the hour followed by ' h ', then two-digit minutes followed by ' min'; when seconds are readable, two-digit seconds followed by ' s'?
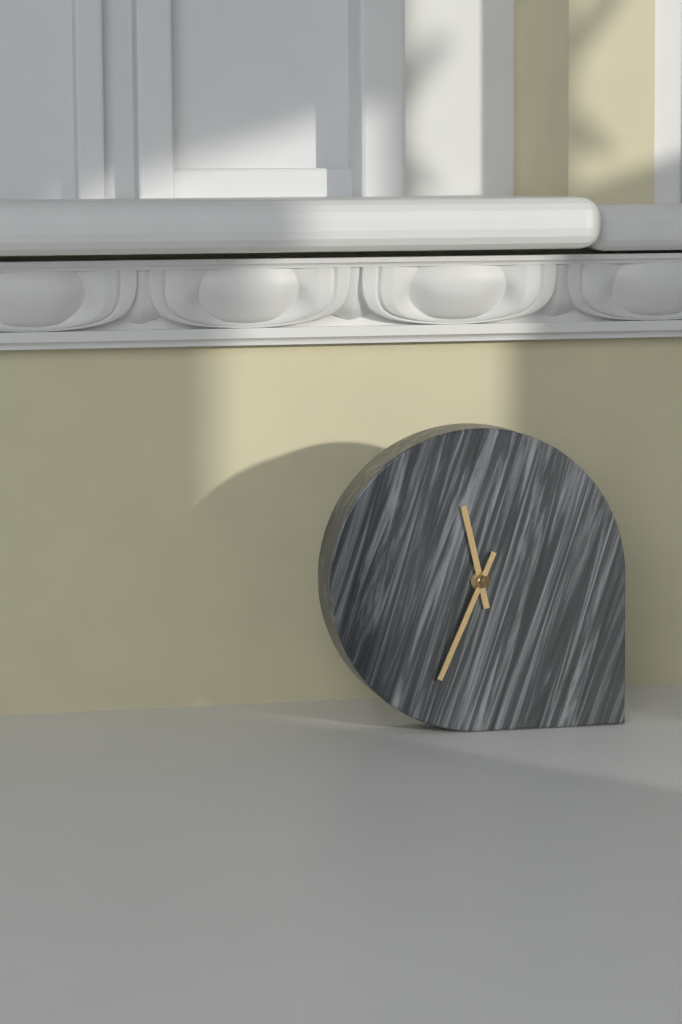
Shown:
11 h 34 min
